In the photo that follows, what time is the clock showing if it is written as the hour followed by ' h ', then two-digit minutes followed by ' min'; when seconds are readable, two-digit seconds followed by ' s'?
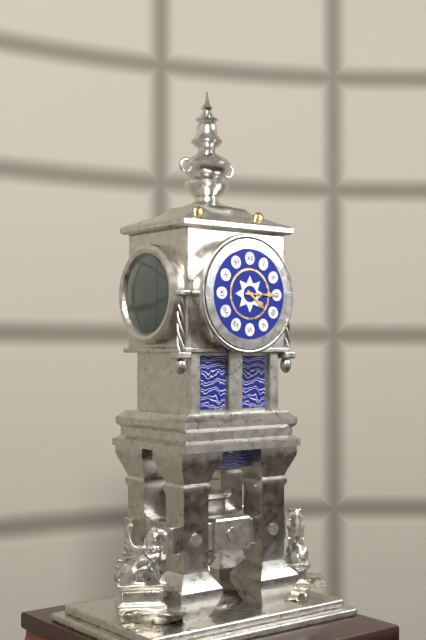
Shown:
4 h 15 min
